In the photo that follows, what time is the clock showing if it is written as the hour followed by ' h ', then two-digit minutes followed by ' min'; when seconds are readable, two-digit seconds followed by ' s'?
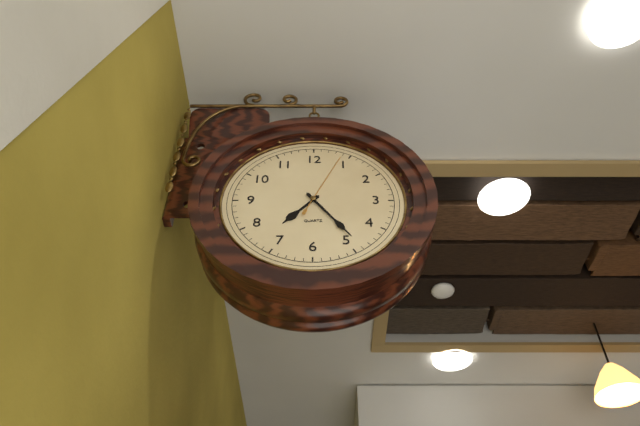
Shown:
7 h 24 min 04 s
